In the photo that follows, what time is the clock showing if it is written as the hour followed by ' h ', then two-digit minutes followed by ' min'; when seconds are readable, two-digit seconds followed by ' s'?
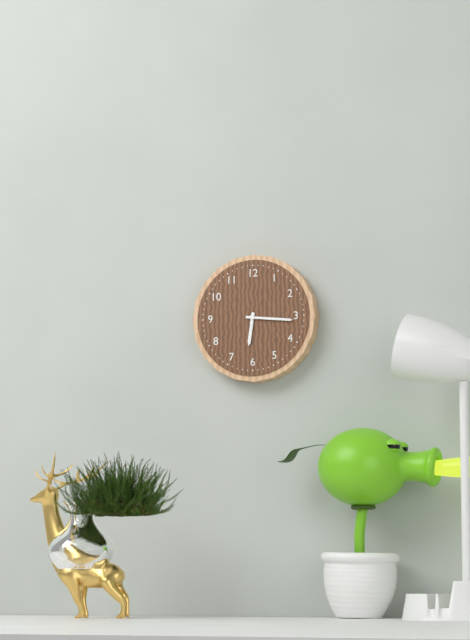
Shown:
6 h 16 min
